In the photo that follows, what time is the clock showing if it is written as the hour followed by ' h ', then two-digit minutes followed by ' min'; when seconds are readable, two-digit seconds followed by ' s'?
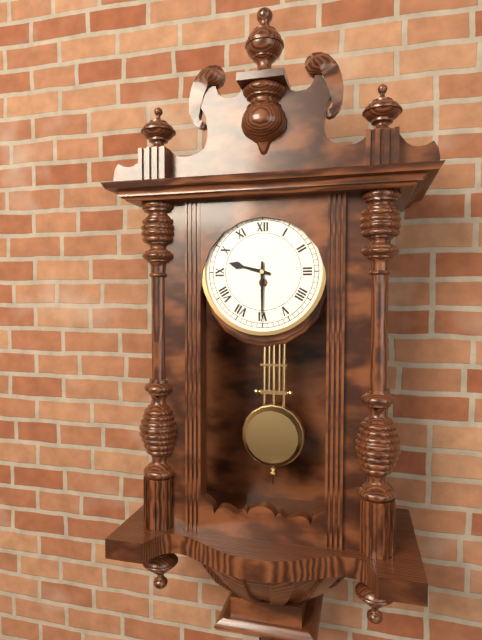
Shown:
9 h 30 min
